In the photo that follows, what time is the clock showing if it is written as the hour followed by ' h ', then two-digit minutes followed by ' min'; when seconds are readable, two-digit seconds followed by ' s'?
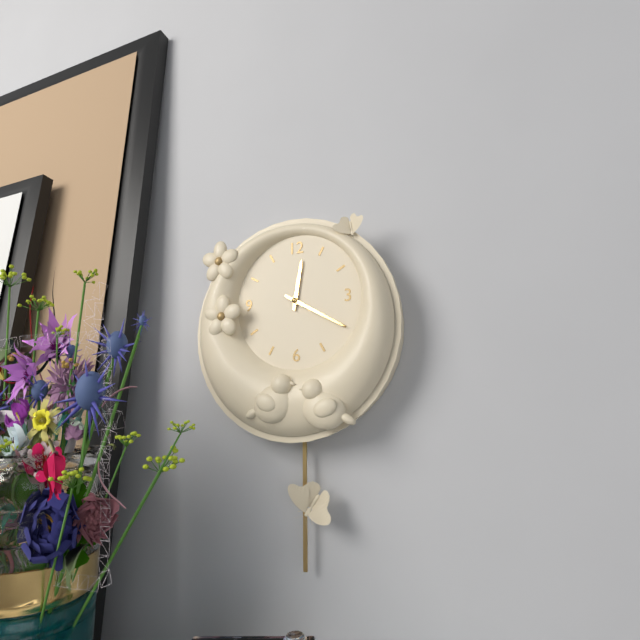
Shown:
12 h 20 min
